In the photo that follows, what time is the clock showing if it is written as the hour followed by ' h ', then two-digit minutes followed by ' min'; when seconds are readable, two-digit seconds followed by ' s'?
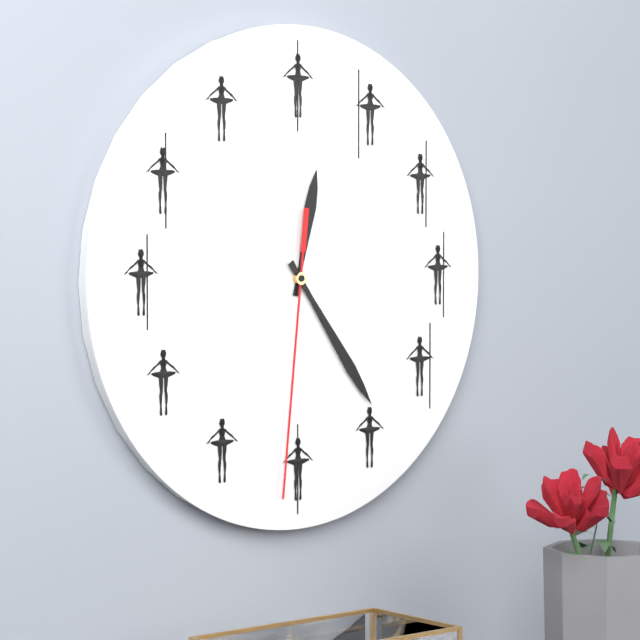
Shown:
12 h 24 min 31 s
